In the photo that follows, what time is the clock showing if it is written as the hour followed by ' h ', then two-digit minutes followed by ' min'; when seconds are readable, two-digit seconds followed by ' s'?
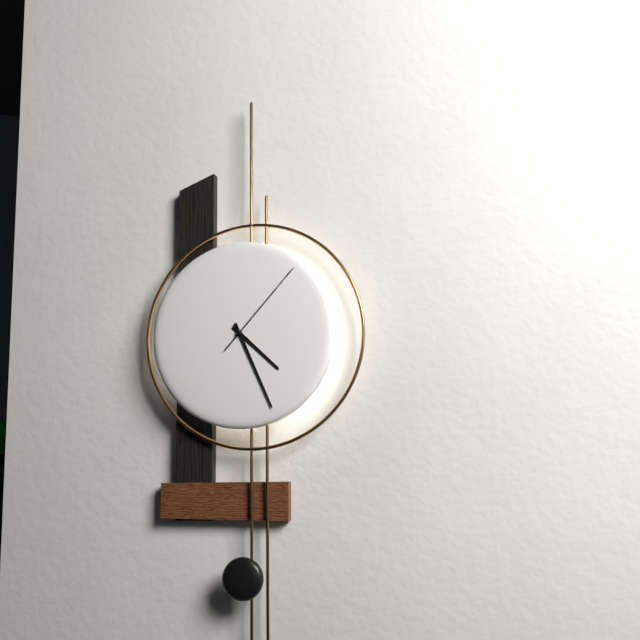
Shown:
4 h 26 min 07 s
